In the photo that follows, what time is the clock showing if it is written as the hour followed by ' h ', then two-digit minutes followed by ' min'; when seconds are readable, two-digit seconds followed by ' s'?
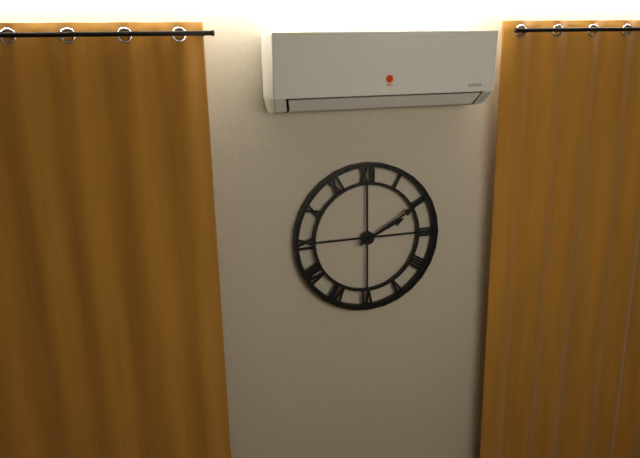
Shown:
2 h 10 min
